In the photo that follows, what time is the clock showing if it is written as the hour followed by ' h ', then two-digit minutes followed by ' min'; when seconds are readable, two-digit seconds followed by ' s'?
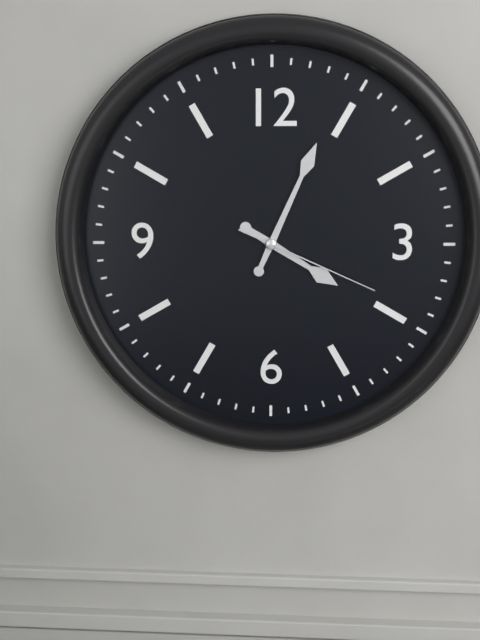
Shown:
4 h 04 min 19 s
